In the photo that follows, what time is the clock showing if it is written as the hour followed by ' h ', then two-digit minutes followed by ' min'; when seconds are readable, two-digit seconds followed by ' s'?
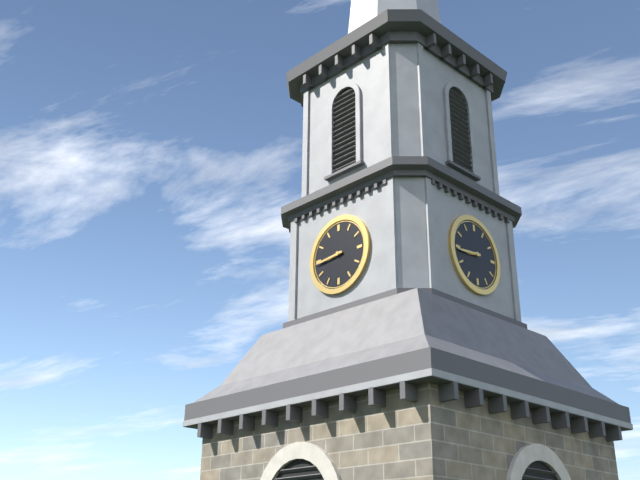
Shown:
8 h 44 min
